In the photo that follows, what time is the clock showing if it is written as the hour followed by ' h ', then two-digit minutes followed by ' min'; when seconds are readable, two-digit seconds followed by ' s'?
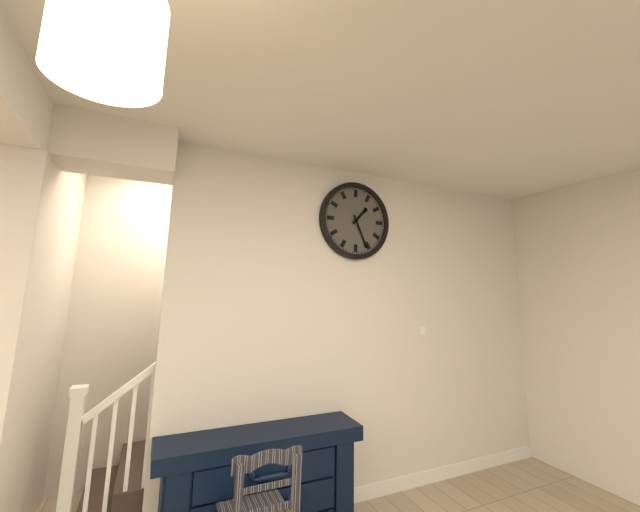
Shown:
1 h 26 min
